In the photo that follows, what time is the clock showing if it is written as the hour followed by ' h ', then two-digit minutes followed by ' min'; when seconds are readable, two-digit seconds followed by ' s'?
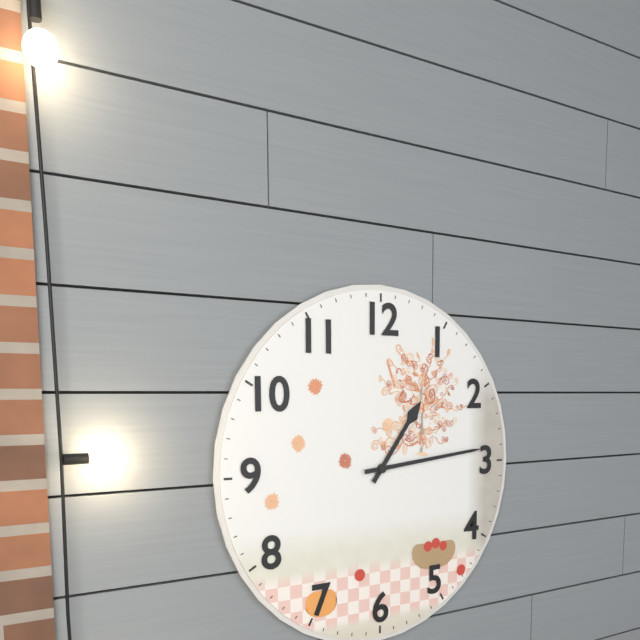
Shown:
1 h 14 min
